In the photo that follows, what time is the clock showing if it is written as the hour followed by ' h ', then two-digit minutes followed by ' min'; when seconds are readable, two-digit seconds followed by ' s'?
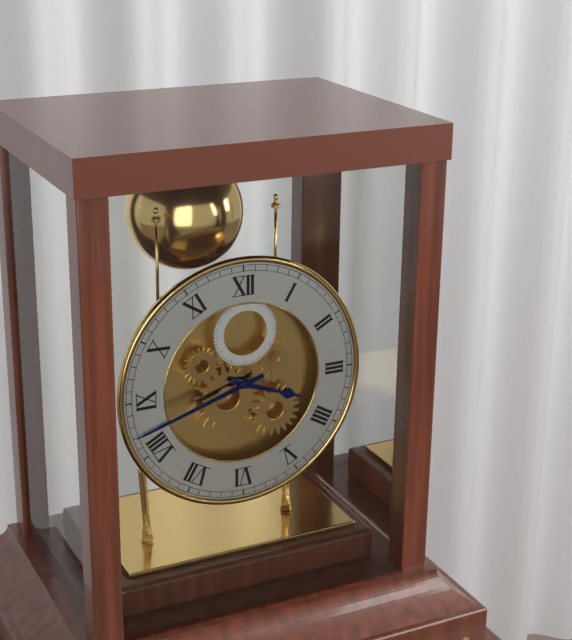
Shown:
3 h 42 min
